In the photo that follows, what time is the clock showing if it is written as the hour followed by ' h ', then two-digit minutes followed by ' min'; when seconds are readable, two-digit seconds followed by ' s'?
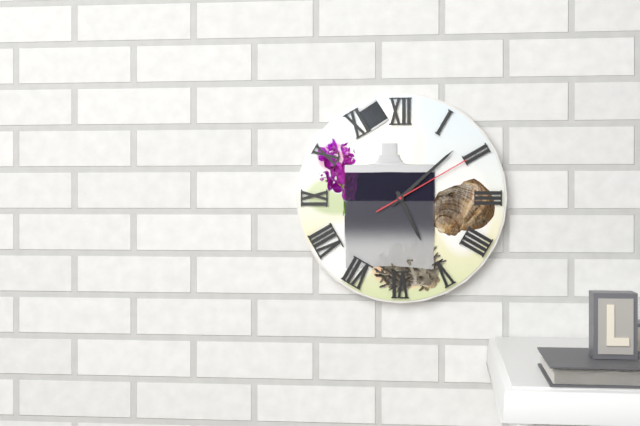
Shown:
5 h 08 min 10 s
